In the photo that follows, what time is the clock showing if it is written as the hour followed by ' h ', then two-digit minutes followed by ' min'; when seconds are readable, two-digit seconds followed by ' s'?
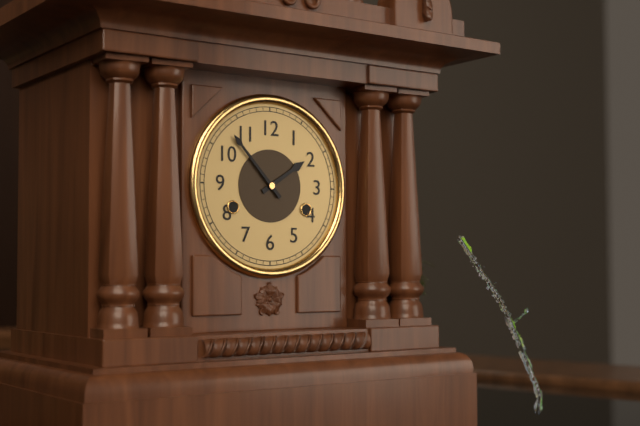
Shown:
1 h 53 min
